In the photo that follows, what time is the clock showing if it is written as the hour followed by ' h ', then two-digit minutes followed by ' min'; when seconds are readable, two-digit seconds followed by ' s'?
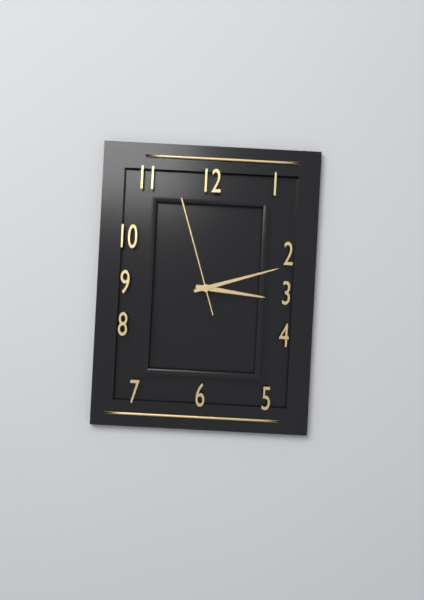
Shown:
3 h 12 min 57 s
